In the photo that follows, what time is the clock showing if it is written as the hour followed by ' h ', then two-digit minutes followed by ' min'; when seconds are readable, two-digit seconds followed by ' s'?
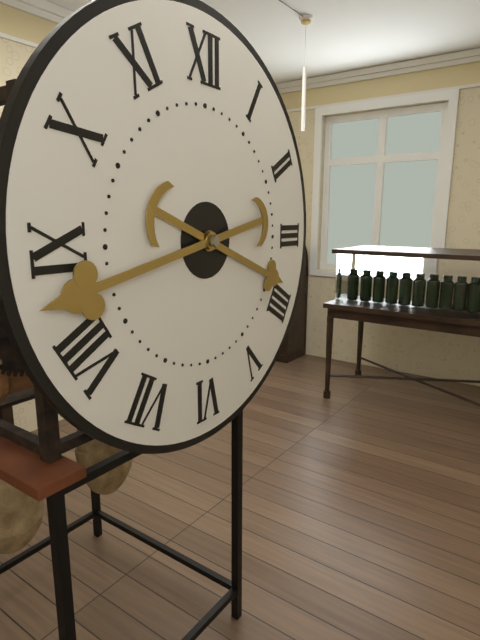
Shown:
3 h 43 min
